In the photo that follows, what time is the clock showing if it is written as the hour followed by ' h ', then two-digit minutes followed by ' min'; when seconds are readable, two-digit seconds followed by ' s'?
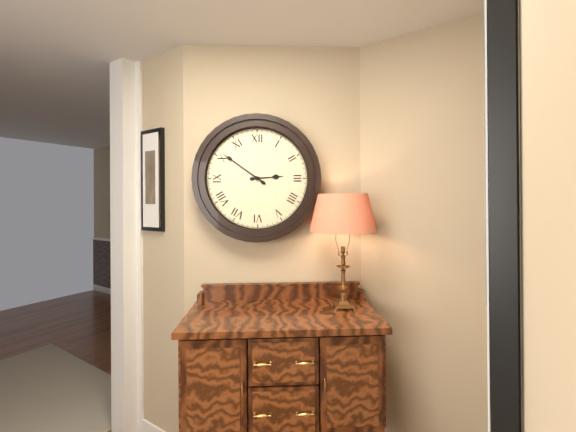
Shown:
2 h 51 min
